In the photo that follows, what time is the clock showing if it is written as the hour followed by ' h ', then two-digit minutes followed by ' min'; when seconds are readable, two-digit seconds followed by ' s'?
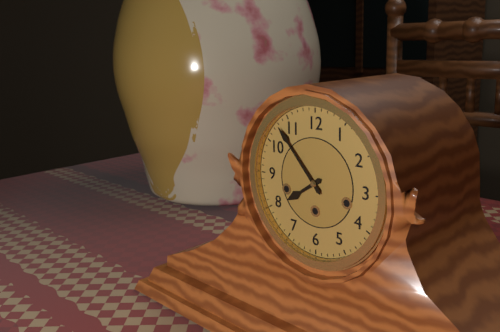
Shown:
7 h 53 min
